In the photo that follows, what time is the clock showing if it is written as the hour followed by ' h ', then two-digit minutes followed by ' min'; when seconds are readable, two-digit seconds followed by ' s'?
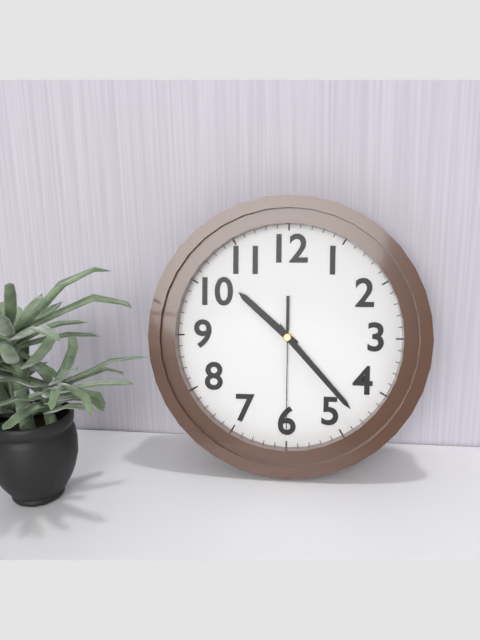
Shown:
10 h 23 min 30 s
